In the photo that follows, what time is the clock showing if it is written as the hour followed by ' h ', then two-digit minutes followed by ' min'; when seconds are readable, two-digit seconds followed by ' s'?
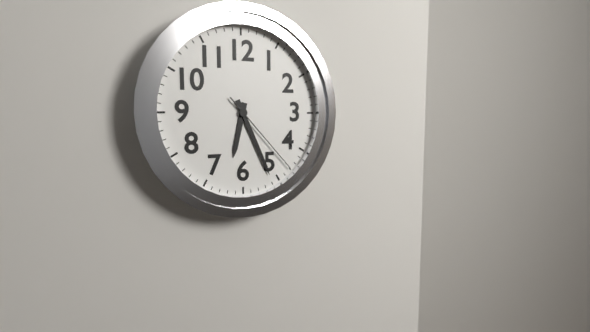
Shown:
6 h 26 min 23 s
